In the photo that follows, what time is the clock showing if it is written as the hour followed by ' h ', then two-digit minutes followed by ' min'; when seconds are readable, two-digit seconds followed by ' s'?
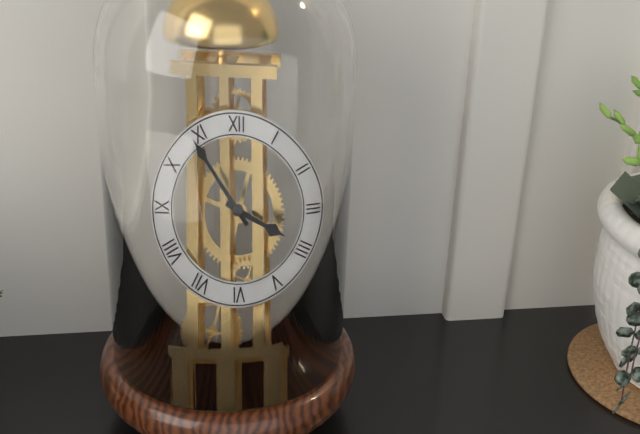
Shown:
3 h 54 min
